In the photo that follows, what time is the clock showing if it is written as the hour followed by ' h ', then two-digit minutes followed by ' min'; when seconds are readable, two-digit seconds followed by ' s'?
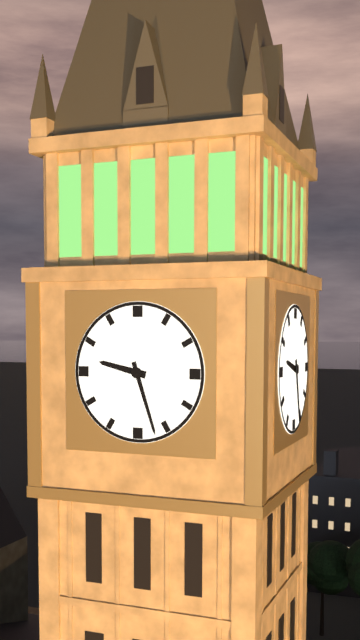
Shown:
9 h 27 min
